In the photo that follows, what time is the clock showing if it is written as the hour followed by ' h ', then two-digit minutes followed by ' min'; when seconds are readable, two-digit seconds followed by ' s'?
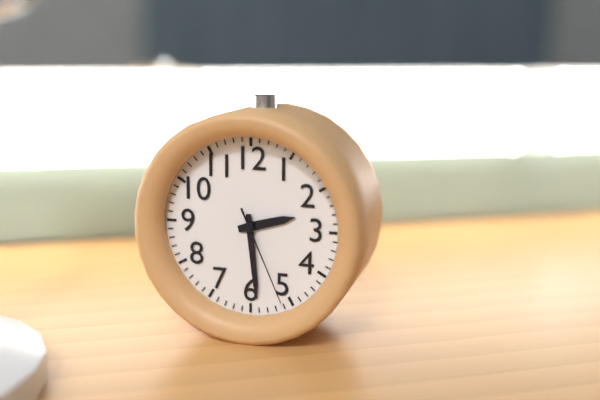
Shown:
2 h 29 min 26 s
